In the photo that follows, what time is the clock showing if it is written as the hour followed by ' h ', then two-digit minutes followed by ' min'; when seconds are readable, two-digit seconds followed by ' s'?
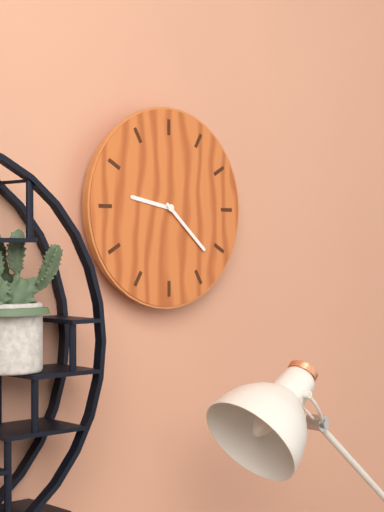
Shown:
9 h 22 min
